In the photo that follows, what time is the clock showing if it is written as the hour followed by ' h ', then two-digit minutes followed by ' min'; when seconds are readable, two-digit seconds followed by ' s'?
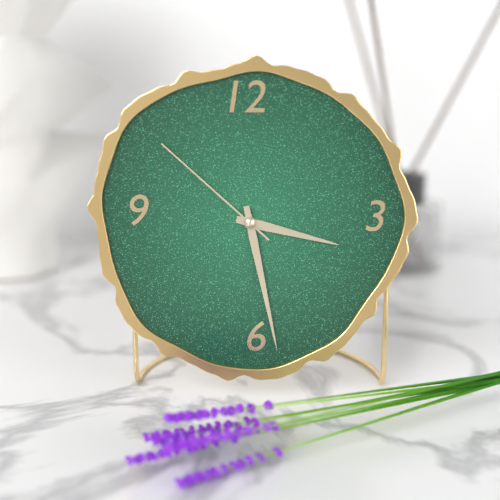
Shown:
3 h 28 min 52 s
